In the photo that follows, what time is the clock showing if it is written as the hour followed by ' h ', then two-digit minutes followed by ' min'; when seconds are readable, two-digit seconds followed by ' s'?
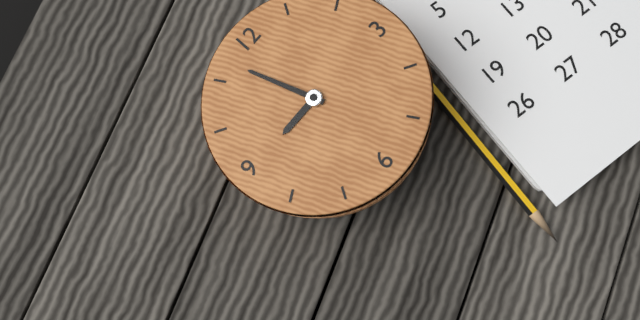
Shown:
8 h 57 min
